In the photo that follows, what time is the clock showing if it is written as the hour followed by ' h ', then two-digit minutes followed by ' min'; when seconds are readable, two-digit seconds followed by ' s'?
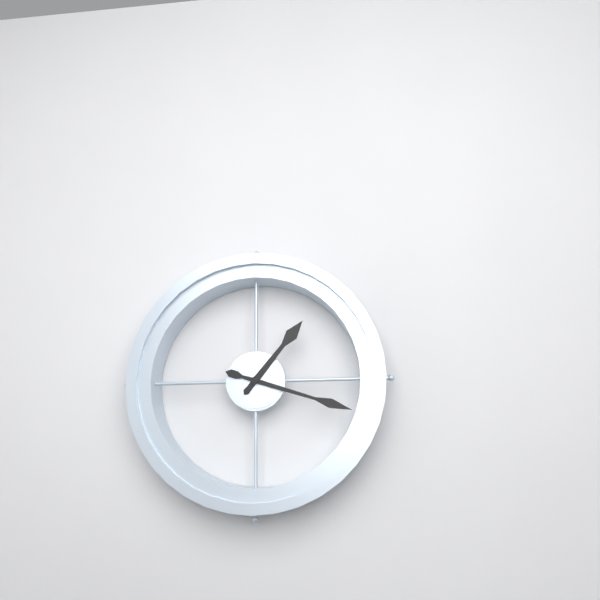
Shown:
1 h 18 min
